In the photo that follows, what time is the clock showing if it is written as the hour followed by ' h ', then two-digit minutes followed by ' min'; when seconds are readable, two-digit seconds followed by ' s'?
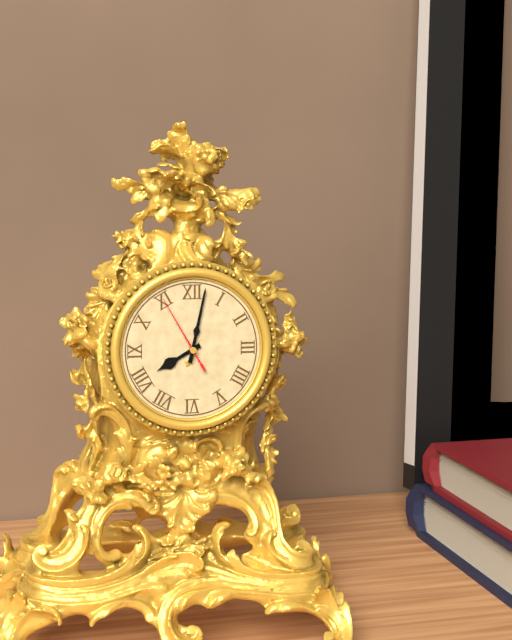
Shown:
8 h 02 min 55 s
